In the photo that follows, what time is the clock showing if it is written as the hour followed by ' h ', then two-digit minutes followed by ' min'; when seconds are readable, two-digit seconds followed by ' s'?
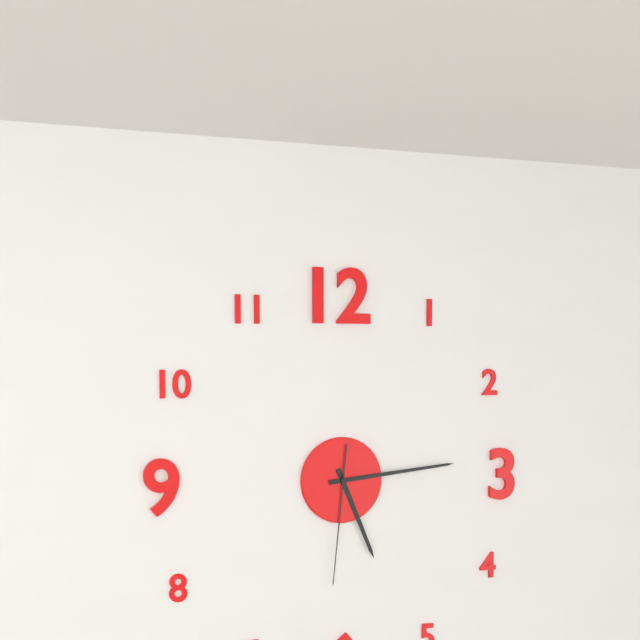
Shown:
5 h 14 min 31 s
